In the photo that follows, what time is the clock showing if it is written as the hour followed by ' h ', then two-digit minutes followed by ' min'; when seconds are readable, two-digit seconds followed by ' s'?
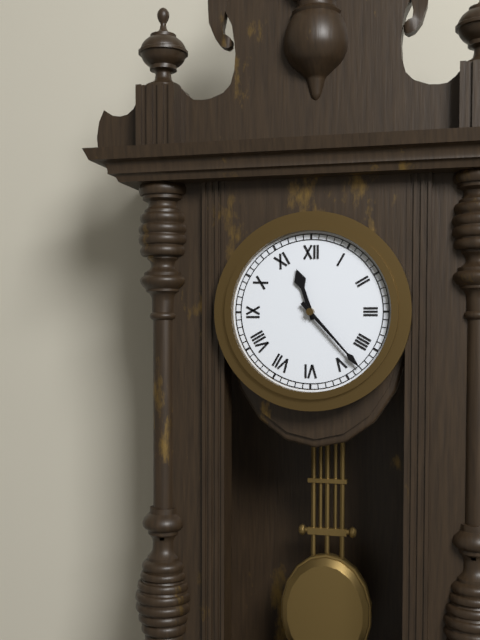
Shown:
11 h 23 min
